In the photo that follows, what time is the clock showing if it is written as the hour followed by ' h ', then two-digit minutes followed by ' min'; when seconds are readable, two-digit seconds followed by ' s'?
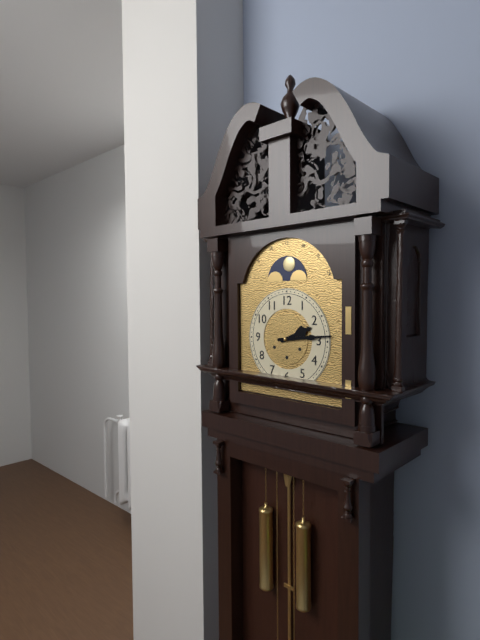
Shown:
2 h 14 min
